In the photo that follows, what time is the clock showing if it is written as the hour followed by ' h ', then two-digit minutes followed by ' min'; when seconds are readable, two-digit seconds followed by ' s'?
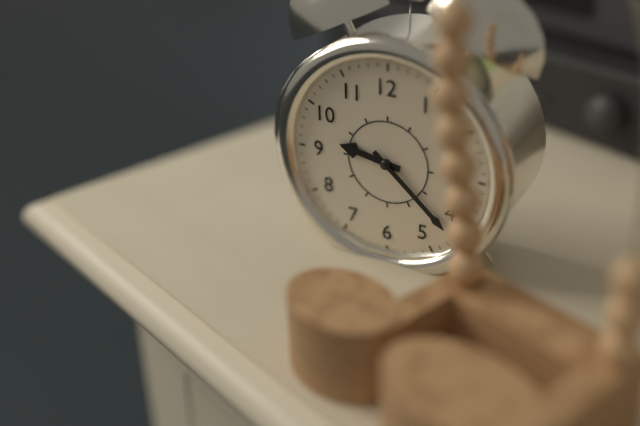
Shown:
9 h 22 min
